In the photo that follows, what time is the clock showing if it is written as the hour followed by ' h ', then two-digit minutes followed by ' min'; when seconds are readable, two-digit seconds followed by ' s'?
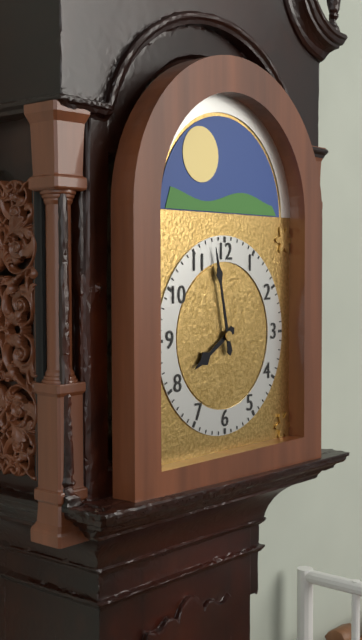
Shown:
7 h 58 min
